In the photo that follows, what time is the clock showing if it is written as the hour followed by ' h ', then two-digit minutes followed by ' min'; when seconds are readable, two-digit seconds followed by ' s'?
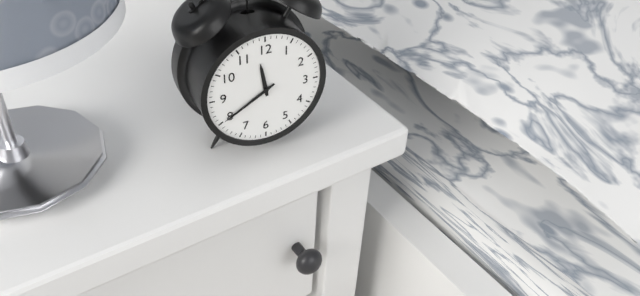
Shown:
11 h 40 min
